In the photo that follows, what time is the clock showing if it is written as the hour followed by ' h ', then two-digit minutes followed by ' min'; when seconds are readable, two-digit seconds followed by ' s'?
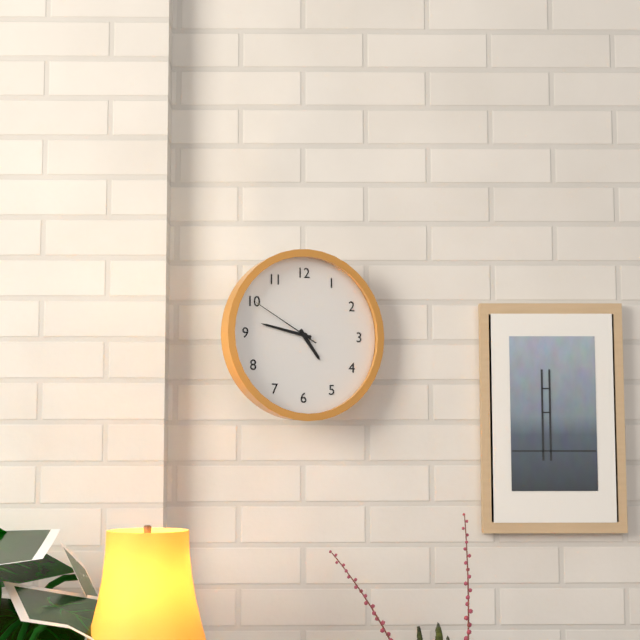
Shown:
4 h 47 min 50 s
